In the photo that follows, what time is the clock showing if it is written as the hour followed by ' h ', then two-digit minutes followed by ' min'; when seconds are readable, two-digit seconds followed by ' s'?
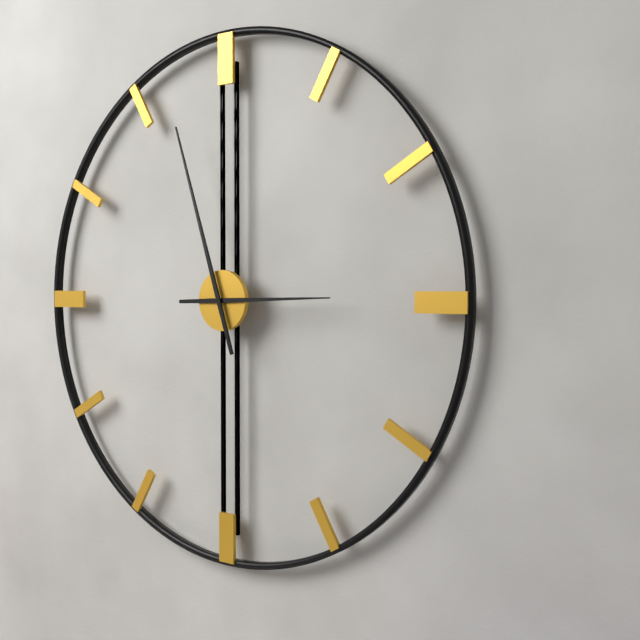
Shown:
2 h 57 min
